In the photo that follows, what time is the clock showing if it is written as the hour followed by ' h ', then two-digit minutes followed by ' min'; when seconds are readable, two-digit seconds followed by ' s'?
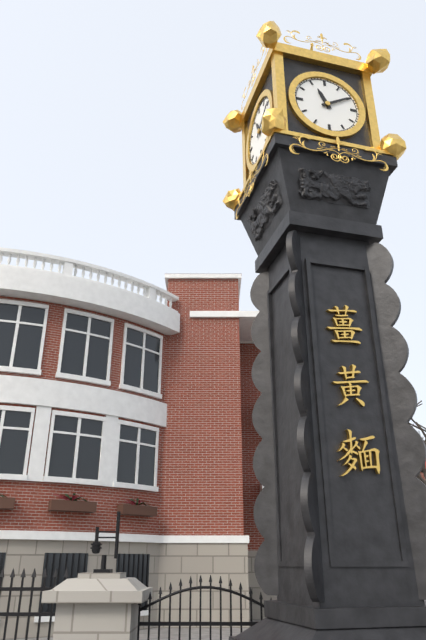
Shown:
11 h 10 min
